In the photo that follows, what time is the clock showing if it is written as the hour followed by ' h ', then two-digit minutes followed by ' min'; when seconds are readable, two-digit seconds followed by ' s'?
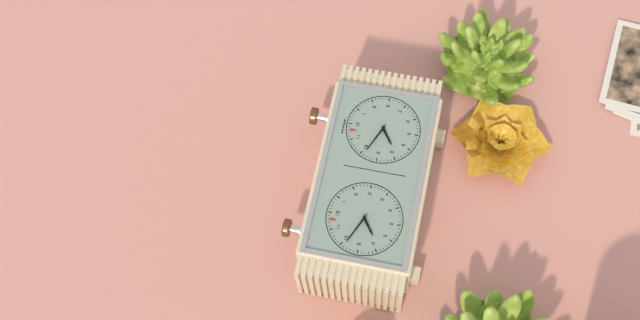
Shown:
7 h 49 min
